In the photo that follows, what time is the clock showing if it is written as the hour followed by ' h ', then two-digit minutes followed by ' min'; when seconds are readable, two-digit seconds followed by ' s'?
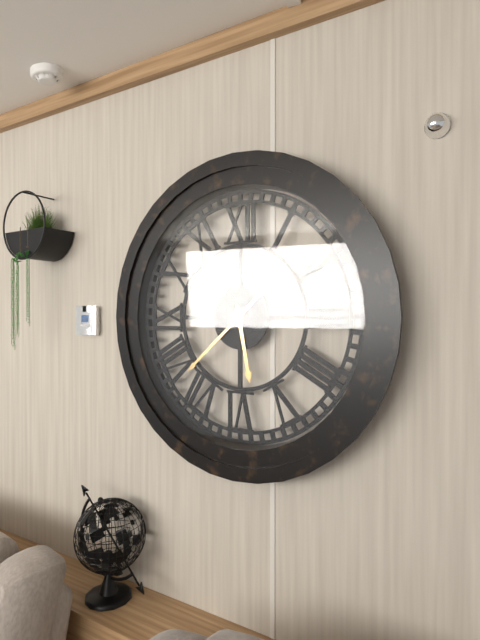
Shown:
5 h 38 min
